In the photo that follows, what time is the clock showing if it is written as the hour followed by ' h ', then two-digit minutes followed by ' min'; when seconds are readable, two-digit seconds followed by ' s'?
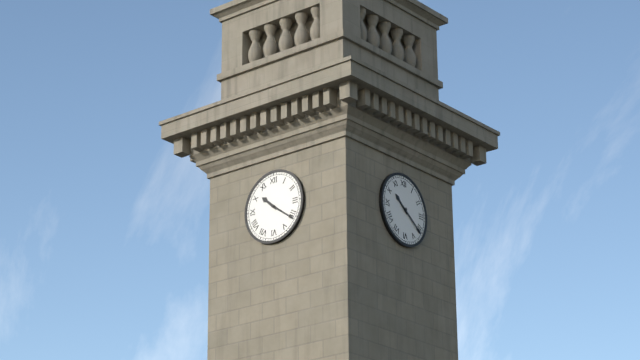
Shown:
10 h 21 min
